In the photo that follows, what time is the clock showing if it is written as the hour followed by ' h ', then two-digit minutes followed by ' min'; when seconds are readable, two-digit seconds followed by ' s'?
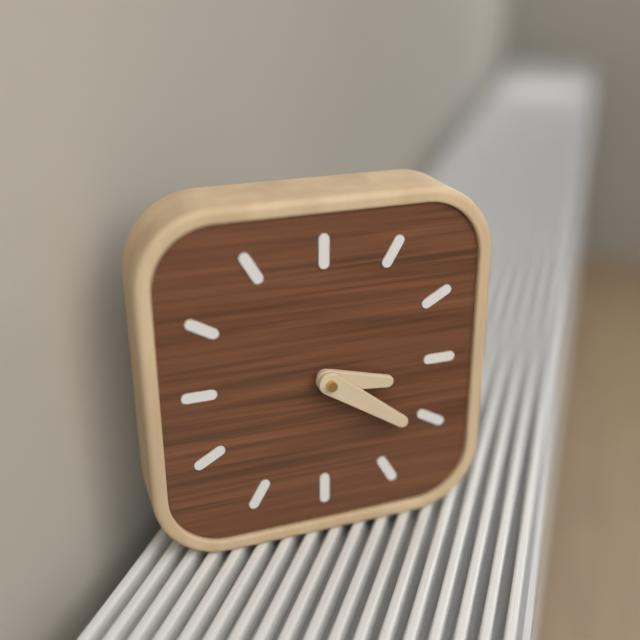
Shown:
3 h 21 min
